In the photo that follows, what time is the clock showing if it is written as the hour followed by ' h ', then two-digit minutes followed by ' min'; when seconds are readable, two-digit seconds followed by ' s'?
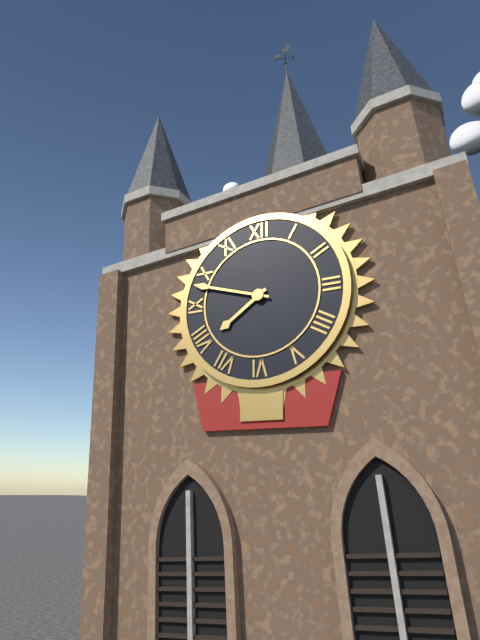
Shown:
7 h 48 min
